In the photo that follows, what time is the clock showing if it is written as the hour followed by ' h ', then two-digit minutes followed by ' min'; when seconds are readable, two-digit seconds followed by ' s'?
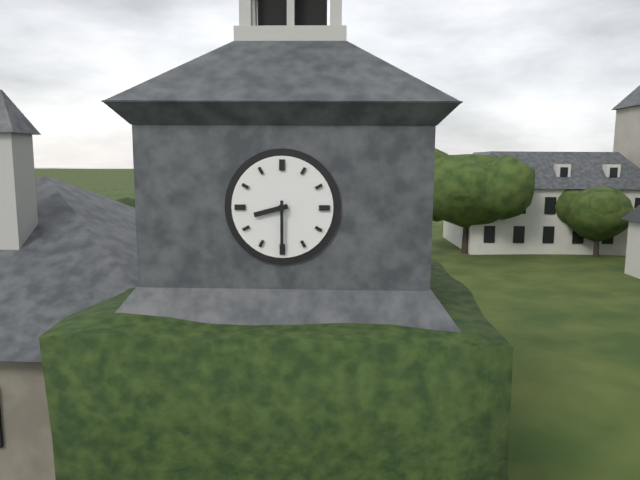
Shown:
8 h 30 min
